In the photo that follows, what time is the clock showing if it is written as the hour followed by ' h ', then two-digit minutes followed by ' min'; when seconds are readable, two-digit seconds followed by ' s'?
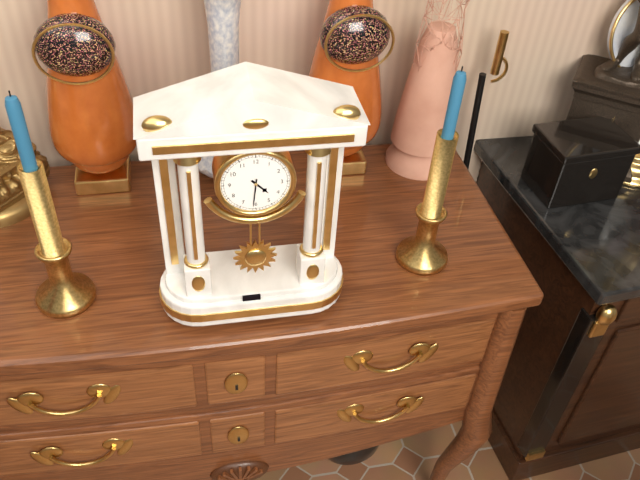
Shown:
4 h 31 min
